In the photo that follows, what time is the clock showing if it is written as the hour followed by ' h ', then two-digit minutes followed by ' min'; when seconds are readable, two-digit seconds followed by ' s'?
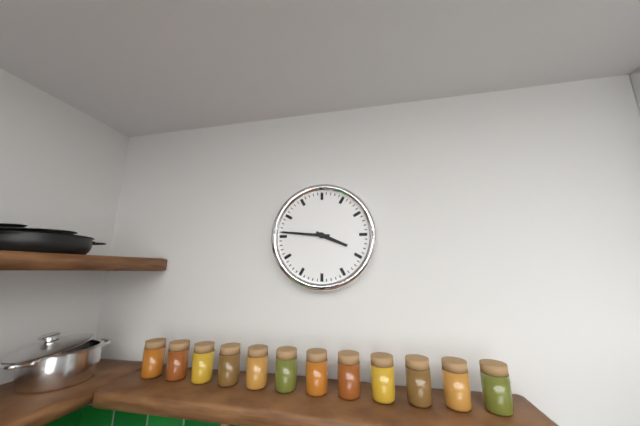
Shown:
3 h 46 min
